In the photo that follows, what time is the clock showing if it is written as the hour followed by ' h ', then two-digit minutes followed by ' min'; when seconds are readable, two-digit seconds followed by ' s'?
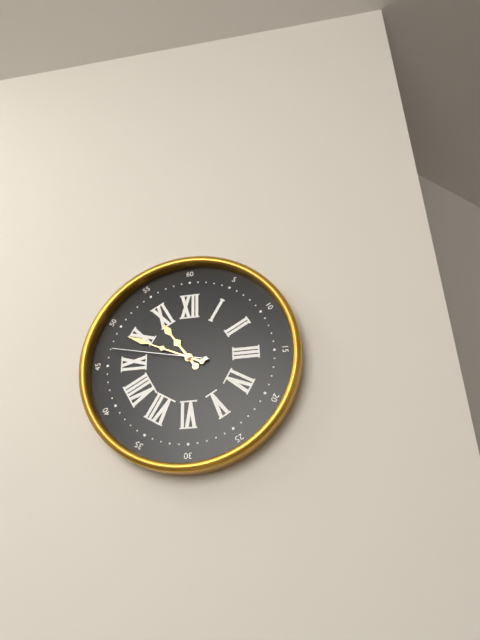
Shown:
10 h 49 min 47 s
